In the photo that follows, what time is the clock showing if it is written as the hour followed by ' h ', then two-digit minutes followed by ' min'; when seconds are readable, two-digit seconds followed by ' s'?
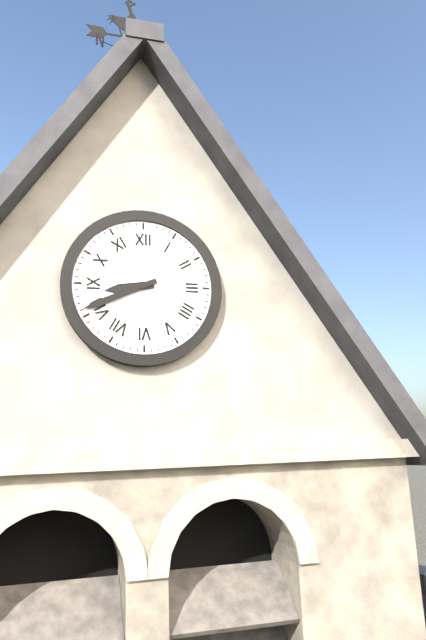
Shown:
8 h 41 min
